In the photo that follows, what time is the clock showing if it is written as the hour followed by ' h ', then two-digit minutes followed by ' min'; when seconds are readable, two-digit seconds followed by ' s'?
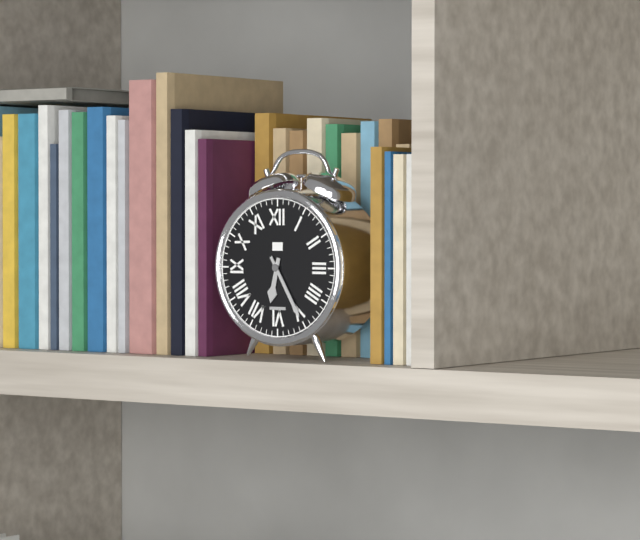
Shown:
6 h 25 min
